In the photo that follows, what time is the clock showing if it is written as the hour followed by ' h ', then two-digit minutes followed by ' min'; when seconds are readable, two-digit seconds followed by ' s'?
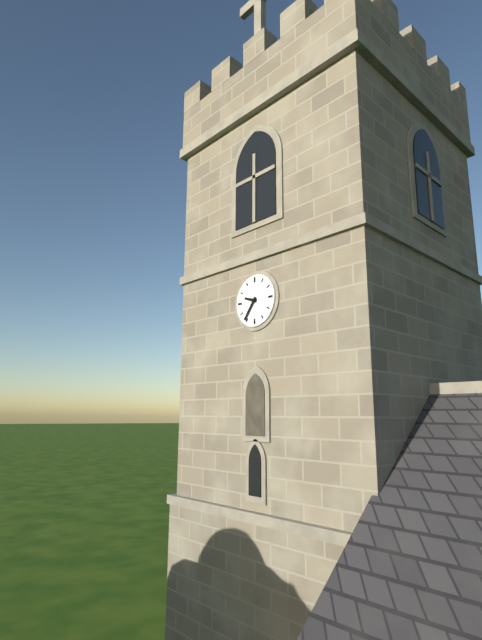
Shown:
9 h 36 min
